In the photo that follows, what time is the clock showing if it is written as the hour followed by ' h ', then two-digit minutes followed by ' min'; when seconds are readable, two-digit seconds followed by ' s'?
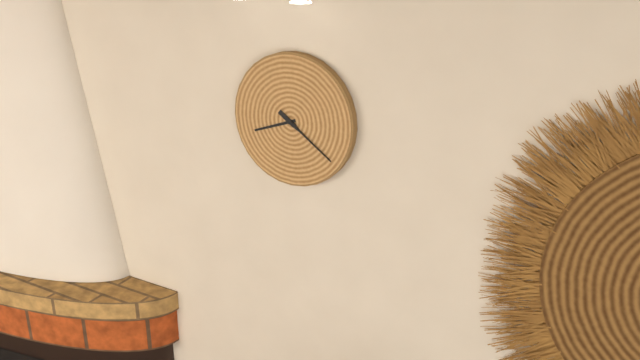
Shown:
8 h 21 min
